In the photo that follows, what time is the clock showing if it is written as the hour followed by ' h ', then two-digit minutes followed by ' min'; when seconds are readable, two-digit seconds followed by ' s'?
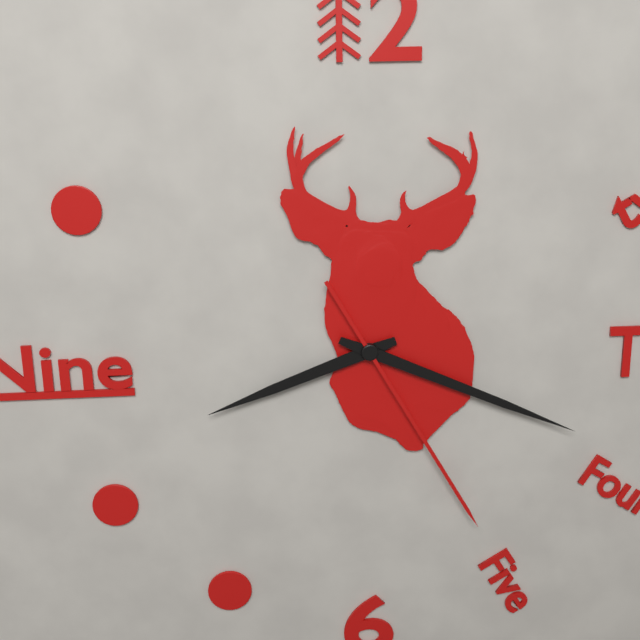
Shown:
8 h 19 min 25 s
